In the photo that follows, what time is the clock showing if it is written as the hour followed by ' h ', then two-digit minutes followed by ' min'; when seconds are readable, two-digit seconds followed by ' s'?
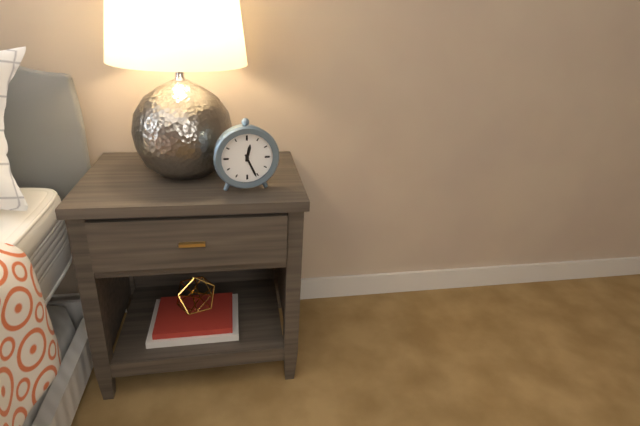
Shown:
12 h 26 min
